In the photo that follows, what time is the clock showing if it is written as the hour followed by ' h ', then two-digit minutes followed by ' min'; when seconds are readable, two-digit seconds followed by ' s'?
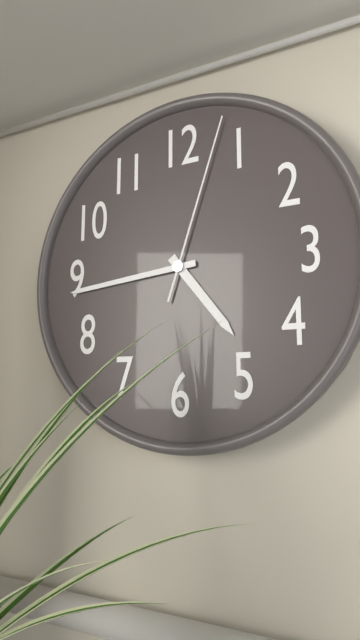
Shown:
4 h 44 min 03 s
